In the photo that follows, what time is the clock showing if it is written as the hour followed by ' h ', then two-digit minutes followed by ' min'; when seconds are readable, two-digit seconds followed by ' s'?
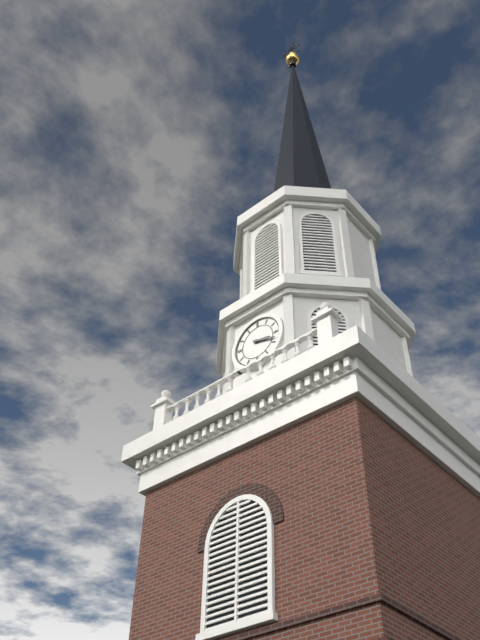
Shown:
3 h 18 min
